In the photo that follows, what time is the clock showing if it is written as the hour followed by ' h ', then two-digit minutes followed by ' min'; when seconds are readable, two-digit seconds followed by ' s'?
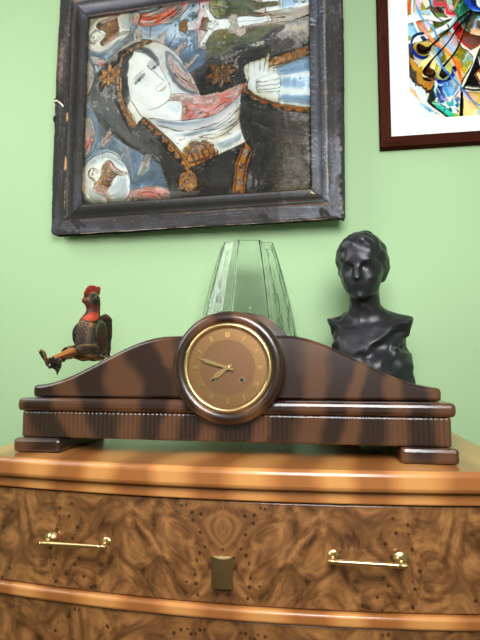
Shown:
7 h 48 min
